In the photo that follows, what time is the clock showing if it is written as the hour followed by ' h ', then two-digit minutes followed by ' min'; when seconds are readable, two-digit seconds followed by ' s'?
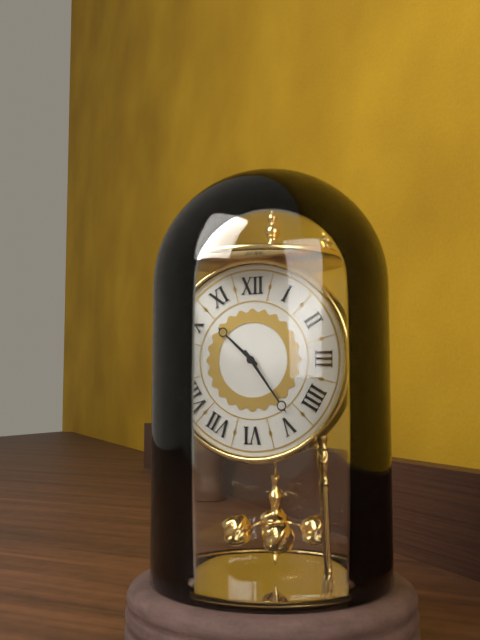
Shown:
10 h 24 min
